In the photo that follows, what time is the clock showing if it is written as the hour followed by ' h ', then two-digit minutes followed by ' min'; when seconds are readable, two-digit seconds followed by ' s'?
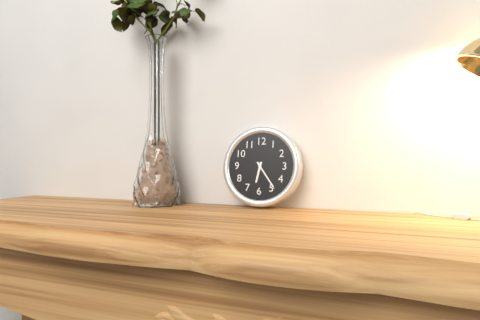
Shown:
6 h 24 min
